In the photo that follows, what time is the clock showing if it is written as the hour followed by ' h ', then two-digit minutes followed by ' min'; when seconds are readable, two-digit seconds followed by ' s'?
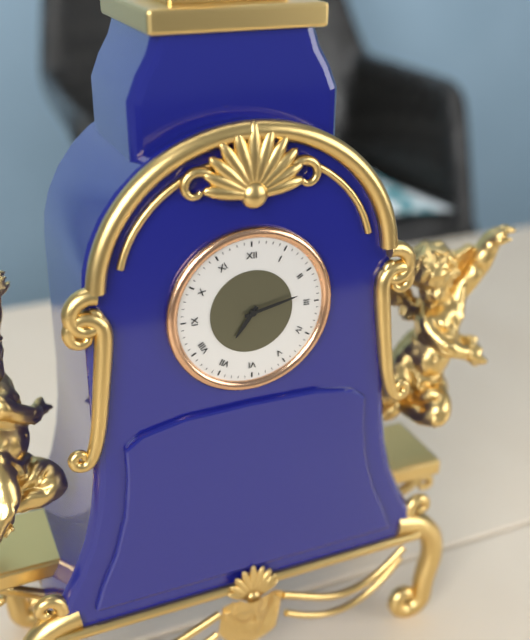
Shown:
7 h 13 min
